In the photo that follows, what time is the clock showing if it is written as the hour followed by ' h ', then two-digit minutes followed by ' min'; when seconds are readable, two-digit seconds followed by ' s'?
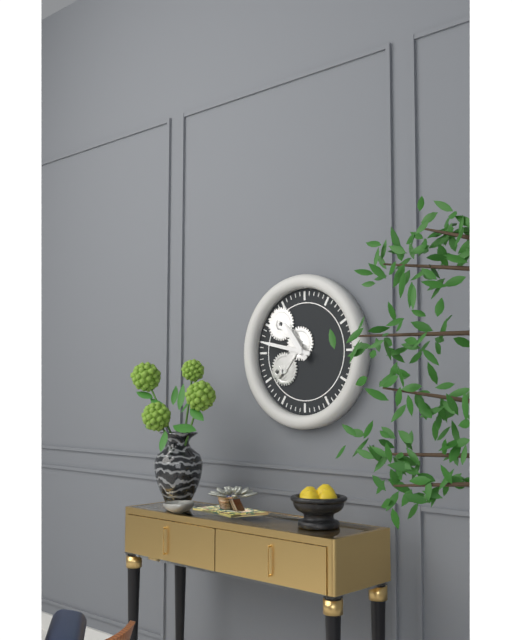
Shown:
10 h 47 min
